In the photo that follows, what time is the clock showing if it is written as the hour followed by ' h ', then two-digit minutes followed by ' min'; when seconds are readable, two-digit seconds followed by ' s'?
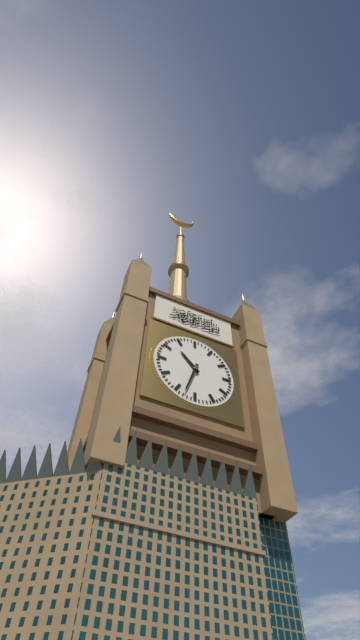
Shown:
10 h 33 min
